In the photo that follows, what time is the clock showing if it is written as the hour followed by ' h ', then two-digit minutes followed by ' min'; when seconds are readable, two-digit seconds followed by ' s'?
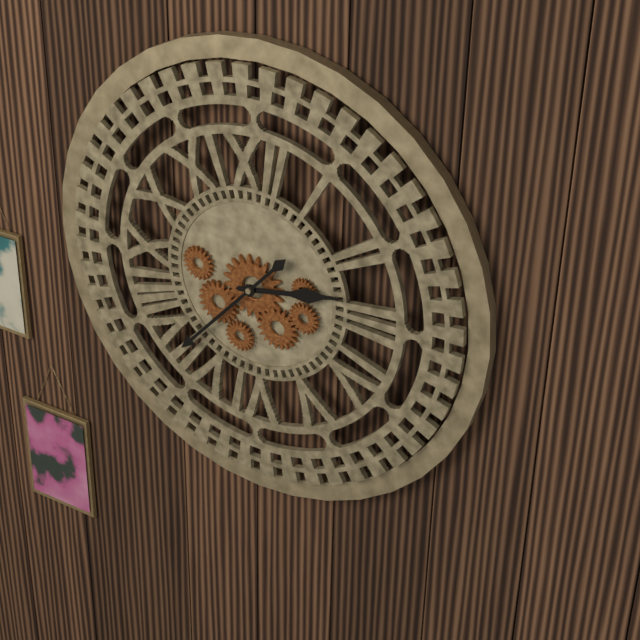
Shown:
2 h 37 min
